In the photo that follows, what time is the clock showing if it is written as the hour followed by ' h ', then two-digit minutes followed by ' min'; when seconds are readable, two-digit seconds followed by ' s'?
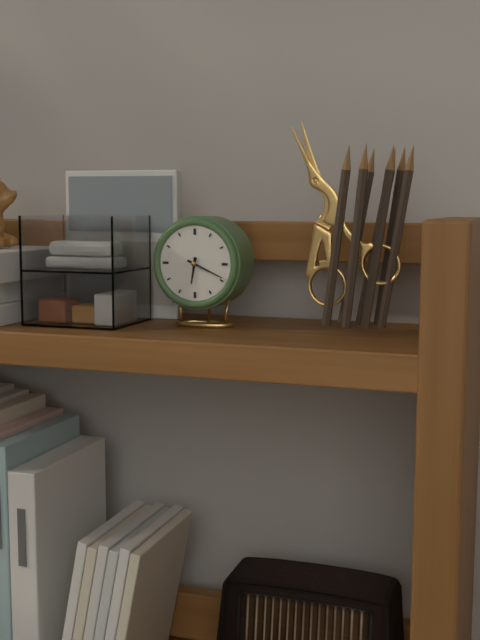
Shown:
6 h 19 min
